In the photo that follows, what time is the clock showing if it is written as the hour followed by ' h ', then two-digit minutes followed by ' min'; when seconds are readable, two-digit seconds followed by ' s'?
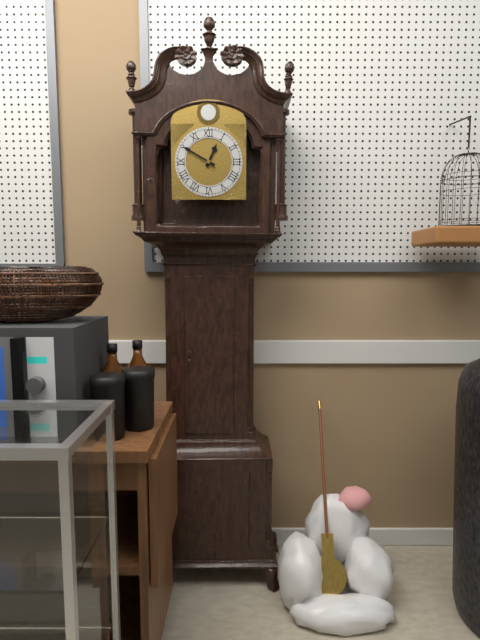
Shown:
12 h 50 min
